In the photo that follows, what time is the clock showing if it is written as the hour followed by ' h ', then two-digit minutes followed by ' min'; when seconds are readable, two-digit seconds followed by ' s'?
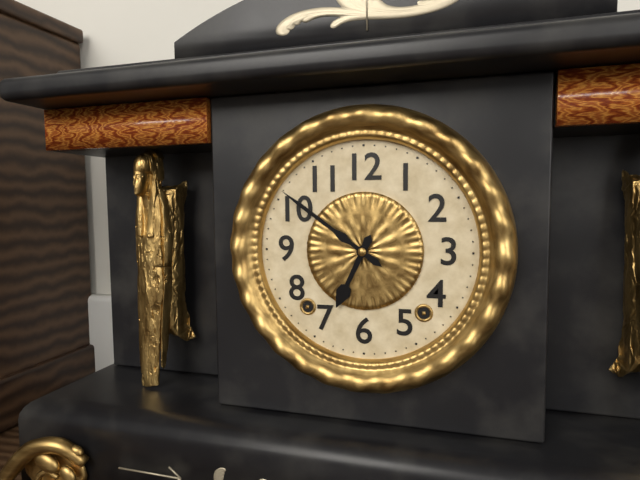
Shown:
6 h 51 min
